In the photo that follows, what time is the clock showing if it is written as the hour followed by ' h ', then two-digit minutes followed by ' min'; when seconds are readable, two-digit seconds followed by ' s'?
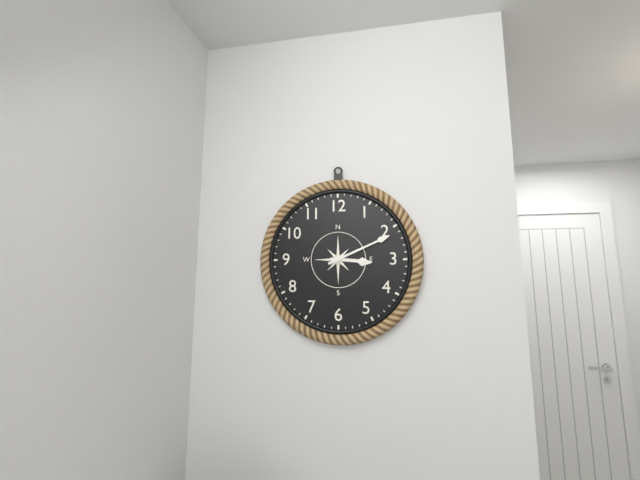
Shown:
3 h 11 min
